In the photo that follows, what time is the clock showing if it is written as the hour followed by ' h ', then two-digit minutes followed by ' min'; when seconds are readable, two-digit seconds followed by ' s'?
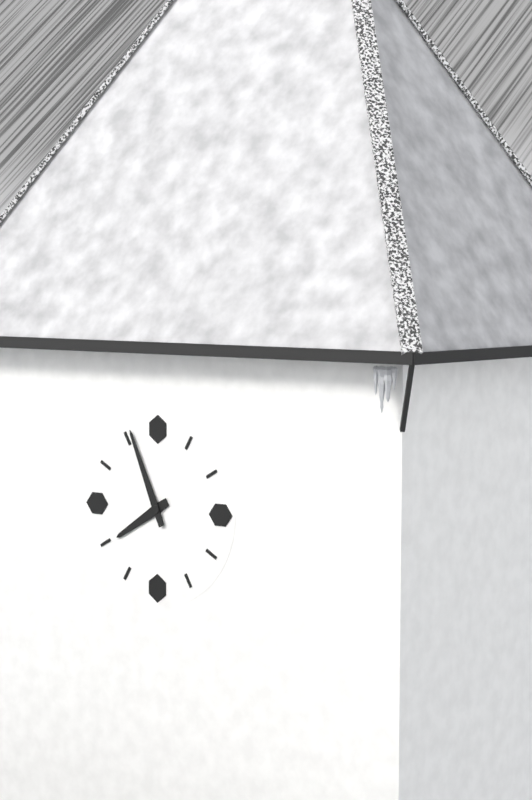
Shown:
7 h 56 min
